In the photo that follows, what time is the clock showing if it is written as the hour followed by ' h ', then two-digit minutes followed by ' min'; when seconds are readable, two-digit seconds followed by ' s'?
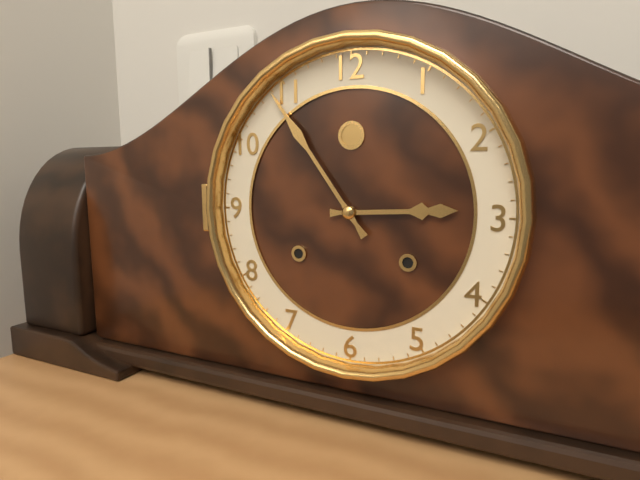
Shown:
2 h 54 min
